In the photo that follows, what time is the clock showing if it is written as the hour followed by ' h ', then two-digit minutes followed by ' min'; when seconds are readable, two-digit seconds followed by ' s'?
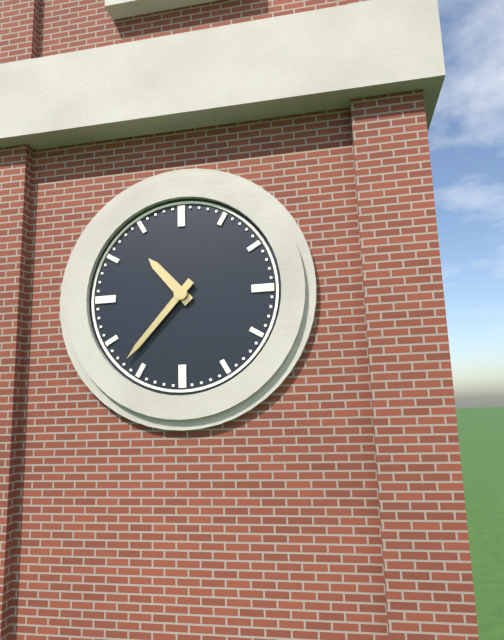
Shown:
10 h 37 min
